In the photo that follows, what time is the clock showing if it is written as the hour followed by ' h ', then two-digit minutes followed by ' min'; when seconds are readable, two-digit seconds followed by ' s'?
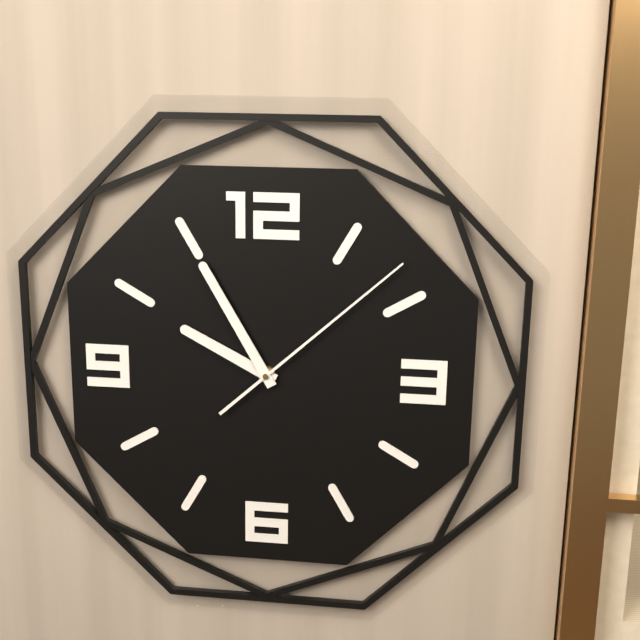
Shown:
9 h 55 min 08 s
